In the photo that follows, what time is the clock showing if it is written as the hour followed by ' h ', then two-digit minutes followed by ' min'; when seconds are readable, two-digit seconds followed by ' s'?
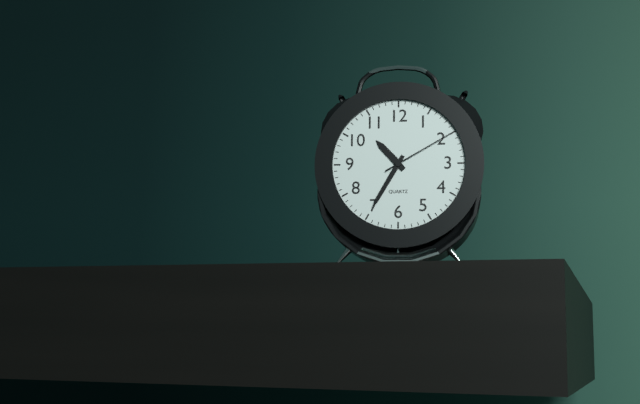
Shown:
10 h 35 min 10 s
